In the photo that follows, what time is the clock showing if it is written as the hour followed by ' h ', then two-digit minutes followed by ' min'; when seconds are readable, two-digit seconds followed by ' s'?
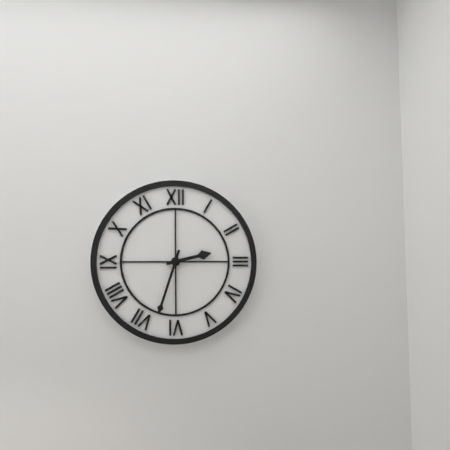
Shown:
2 h 33 min
